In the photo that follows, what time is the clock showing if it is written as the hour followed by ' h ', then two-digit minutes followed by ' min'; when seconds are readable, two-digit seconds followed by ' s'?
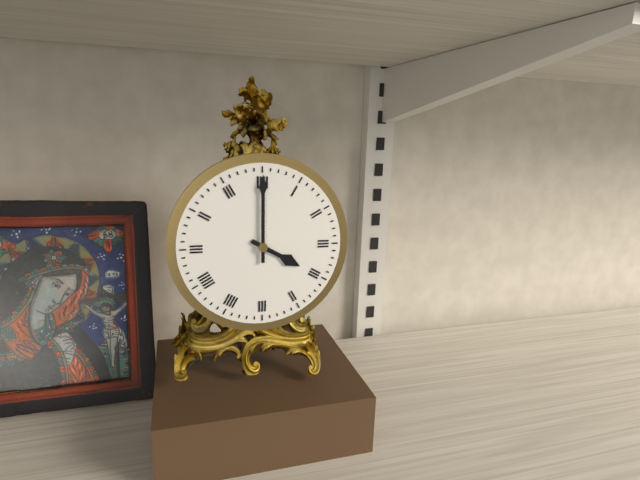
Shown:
4 h 00 min
